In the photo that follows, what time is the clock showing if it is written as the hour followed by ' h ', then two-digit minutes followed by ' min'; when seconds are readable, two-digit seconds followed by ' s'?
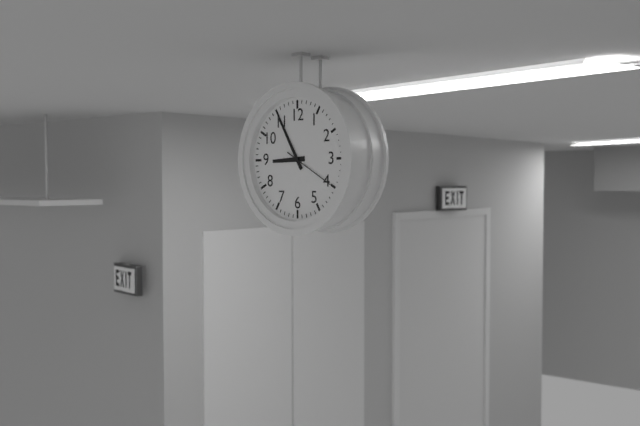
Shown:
8 h 55 min 20 s
